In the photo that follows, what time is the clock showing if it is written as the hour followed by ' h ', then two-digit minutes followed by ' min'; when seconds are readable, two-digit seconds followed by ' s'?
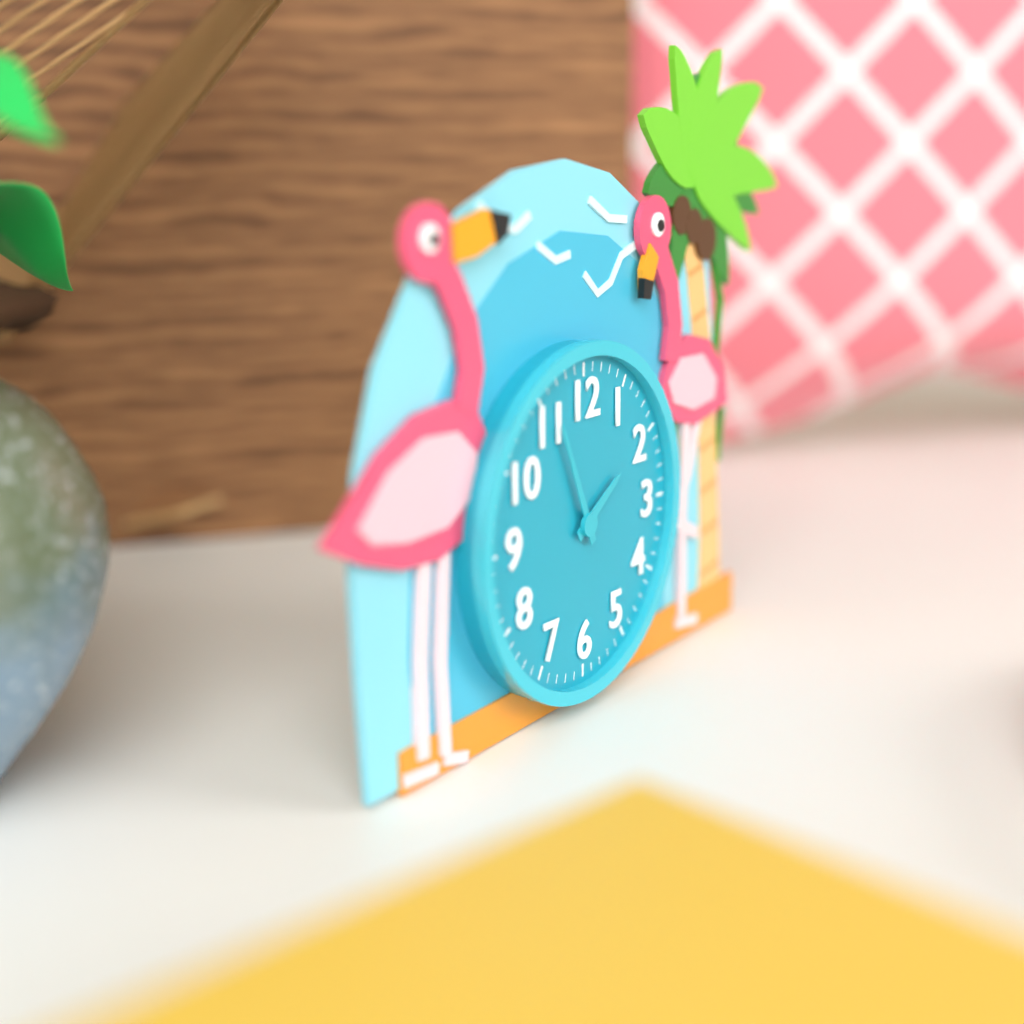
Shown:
1 h 56 min
